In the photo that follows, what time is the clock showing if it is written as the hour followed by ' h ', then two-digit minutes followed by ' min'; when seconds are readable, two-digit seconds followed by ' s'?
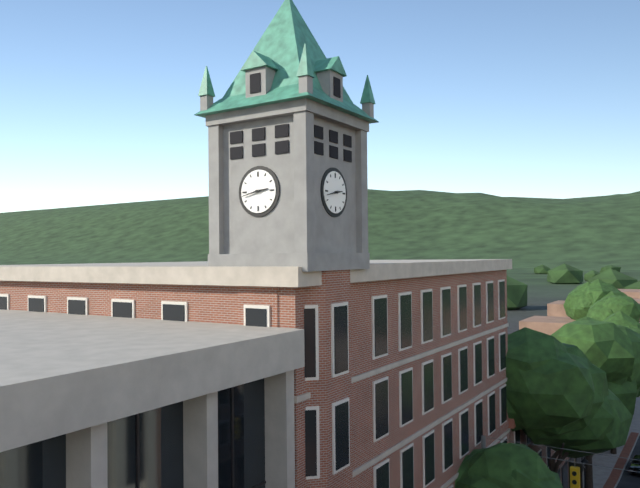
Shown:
2 h 43 min
